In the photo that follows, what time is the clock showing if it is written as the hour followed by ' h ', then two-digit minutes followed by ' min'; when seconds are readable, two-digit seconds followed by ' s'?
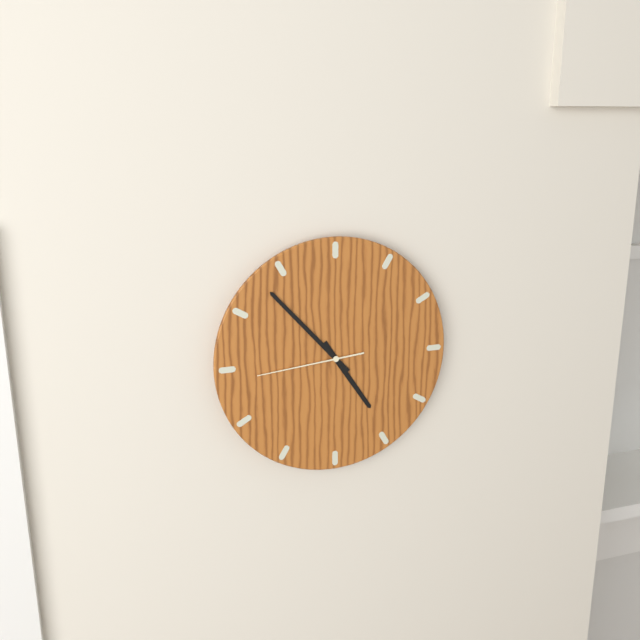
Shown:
4 h 53 min 44 s
